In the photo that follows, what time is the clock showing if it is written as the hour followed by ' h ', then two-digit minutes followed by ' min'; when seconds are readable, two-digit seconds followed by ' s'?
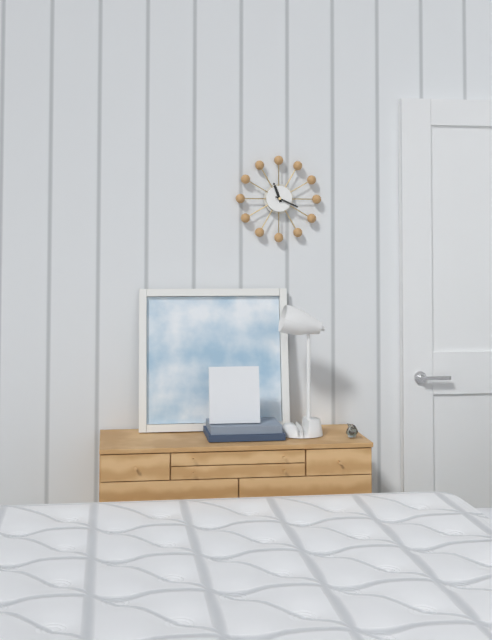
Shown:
11 h 19 min
